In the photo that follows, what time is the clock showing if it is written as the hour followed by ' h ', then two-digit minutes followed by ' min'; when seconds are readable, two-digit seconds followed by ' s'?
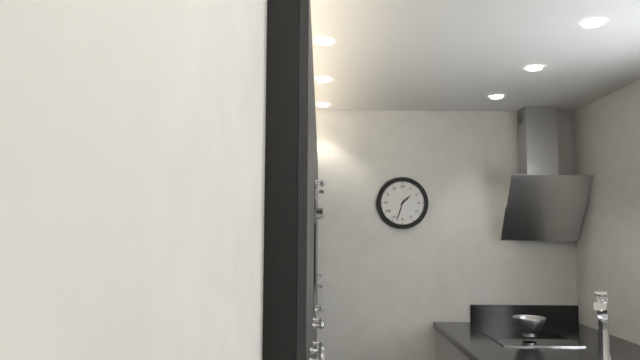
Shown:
1 h 33 min
